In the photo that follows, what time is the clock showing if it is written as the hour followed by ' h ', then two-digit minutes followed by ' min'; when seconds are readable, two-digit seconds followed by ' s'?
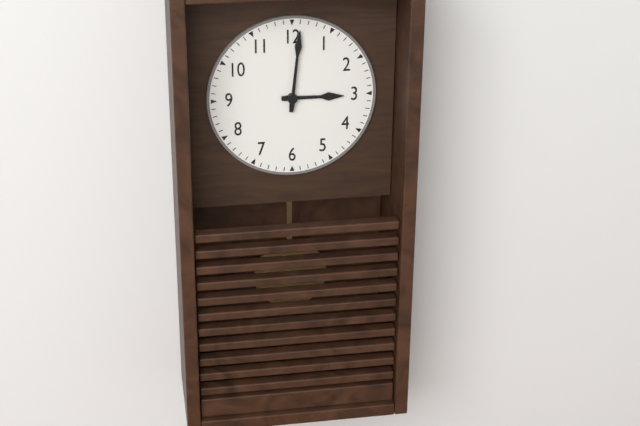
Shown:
3 h 01 min
